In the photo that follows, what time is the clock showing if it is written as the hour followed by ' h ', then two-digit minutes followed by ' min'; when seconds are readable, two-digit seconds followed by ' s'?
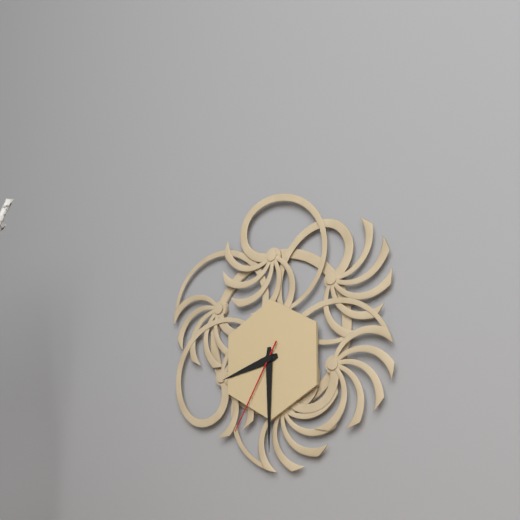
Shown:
8 h 30 min 35 s
